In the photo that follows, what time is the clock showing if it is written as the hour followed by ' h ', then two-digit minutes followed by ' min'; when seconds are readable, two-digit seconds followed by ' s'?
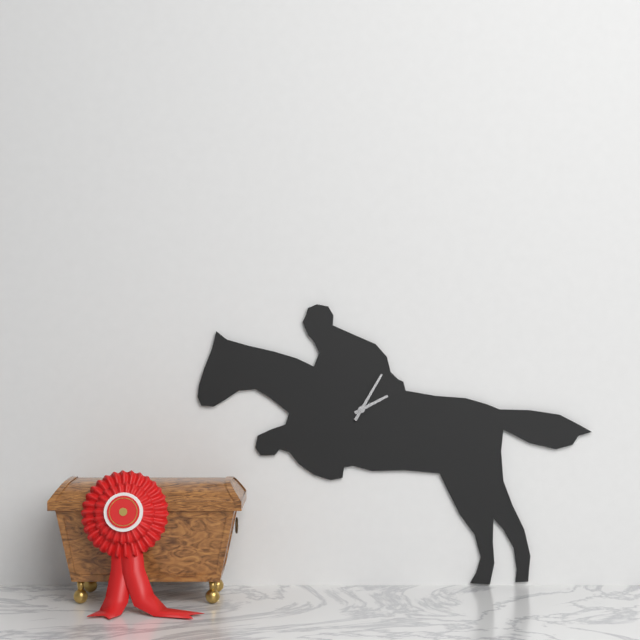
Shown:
2 h 05 min
